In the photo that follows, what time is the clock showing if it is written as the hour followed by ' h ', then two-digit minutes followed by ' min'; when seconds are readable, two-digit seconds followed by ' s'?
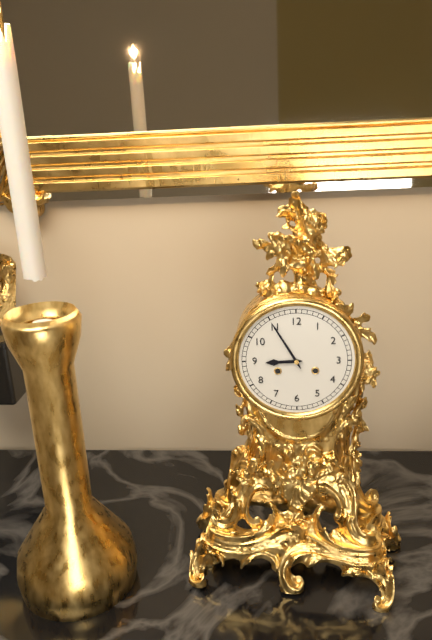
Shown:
8 h 55 min
